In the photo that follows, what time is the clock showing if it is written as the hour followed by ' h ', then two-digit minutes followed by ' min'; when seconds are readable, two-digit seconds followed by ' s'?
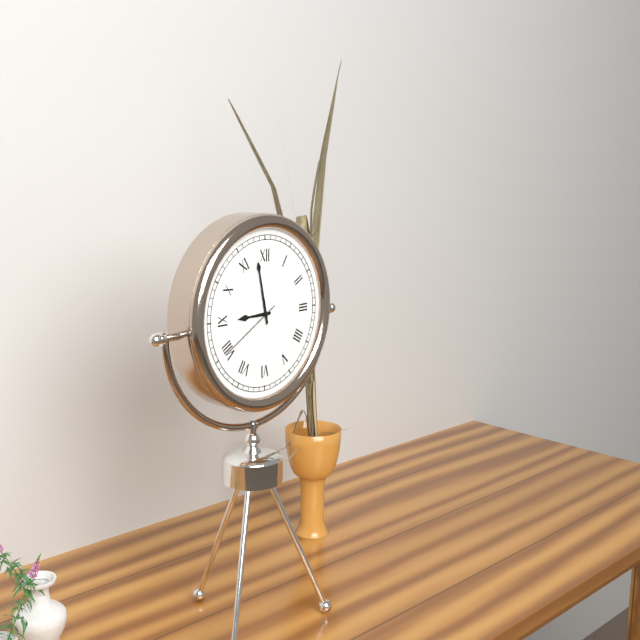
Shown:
8 h 58 min 40 s
